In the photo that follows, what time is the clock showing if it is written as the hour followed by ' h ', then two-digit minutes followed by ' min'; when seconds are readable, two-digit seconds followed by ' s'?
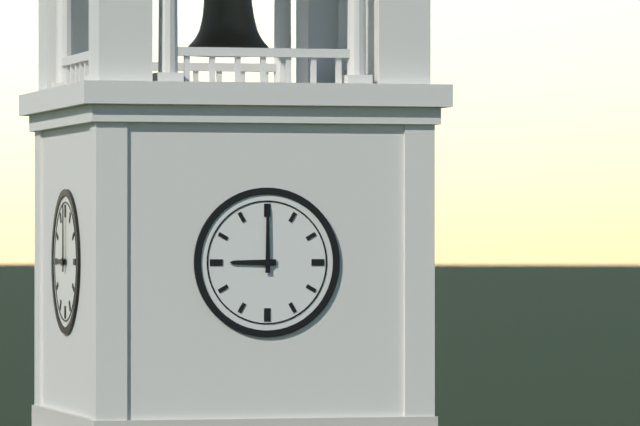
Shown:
9 h 00 min
